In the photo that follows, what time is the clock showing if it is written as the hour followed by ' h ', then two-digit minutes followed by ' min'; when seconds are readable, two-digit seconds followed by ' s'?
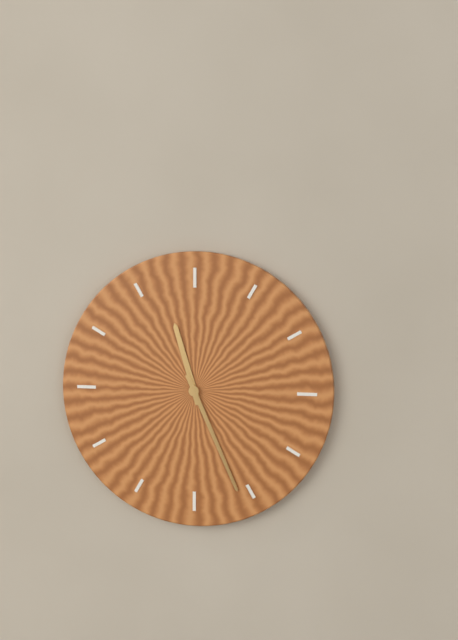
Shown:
11 h 26 min
